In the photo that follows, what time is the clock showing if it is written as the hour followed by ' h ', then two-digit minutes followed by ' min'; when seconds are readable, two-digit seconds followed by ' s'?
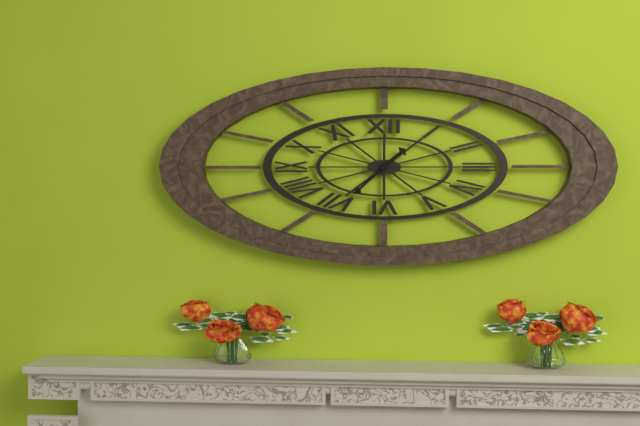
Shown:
1 h 38 min
